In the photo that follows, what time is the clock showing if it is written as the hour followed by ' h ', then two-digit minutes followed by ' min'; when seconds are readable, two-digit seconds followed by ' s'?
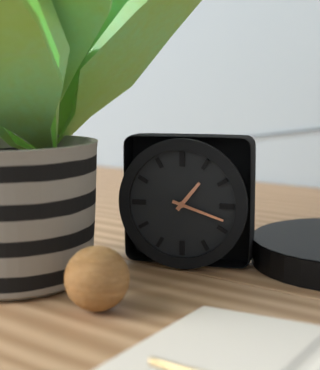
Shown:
1 h 18 min
